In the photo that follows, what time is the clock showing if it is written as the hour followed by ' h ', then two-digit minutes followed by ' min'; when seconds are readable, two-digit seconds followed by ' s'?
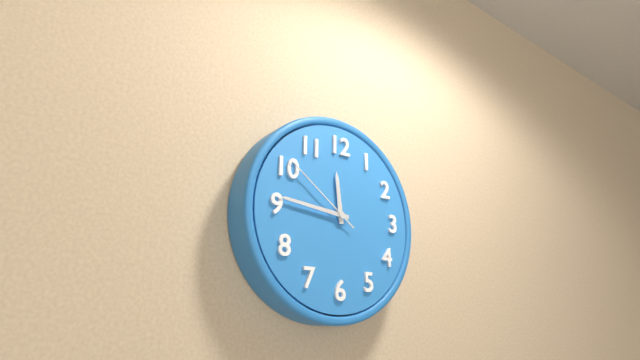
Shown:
11 h 46 min 51 s
